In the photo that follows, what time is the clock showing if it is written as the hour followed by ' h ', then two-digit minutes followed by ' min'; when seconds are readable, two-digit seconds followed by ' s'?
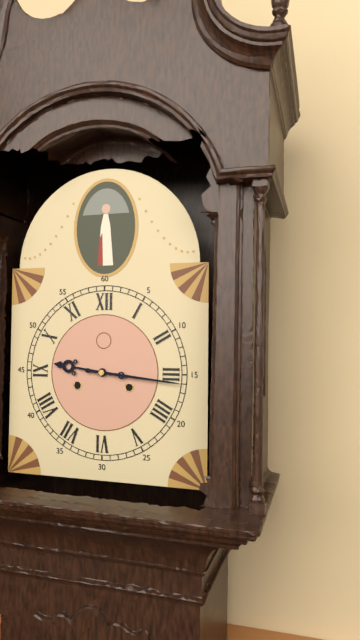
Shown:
9 h 16 min
